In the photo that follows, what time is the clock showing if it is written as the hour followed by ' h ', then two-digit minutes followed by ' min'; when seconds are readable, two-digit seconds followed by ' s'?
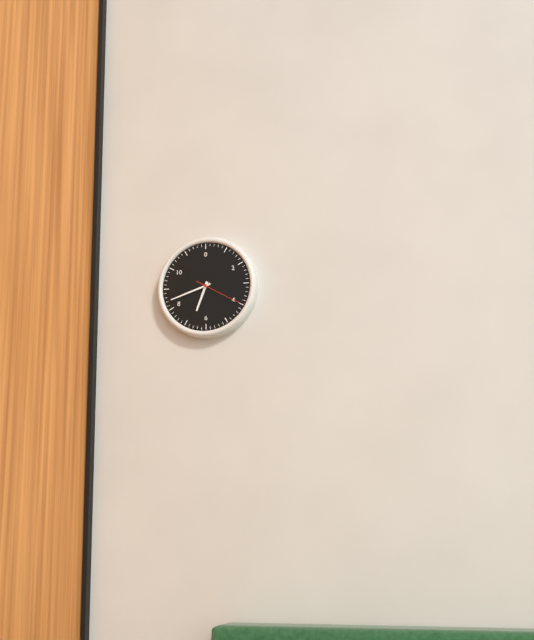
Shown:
6 h 42 min
